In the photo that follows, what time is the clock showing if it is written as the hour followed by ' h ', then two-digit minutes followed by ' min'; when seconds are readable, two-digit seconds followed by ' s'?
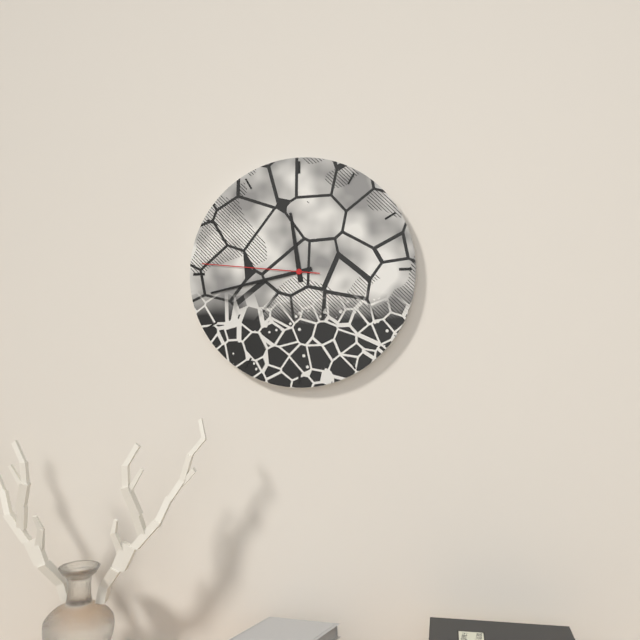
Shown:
11 h 43 min 46 s
